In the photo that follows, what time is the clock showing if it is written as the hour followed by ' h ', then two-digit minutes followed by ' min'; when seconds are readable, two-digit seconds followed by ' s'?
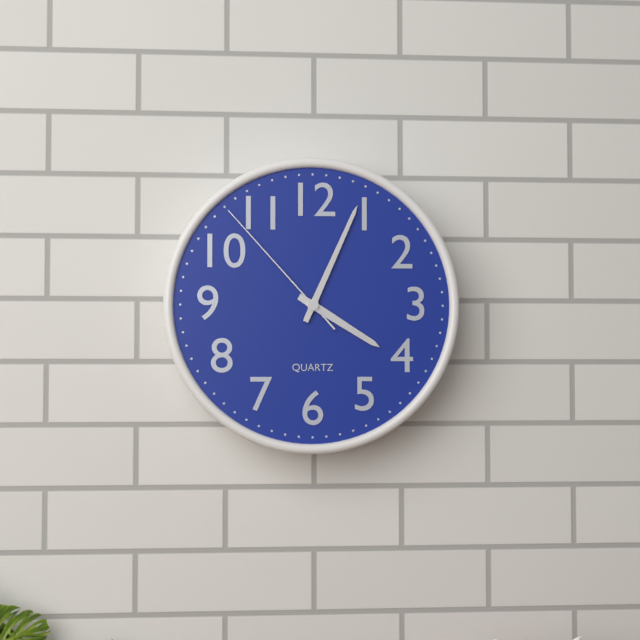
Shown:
4 h 04 min 53 s
